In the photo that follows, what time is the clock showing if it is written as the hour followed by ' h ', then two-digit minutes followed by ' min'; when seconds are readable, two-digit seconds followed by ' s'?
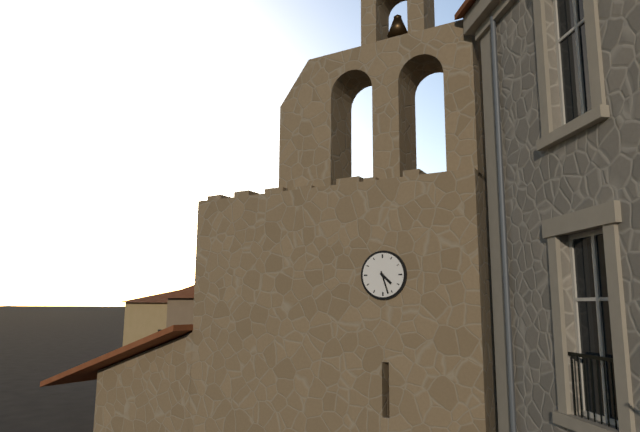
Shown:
4 h 27 min
